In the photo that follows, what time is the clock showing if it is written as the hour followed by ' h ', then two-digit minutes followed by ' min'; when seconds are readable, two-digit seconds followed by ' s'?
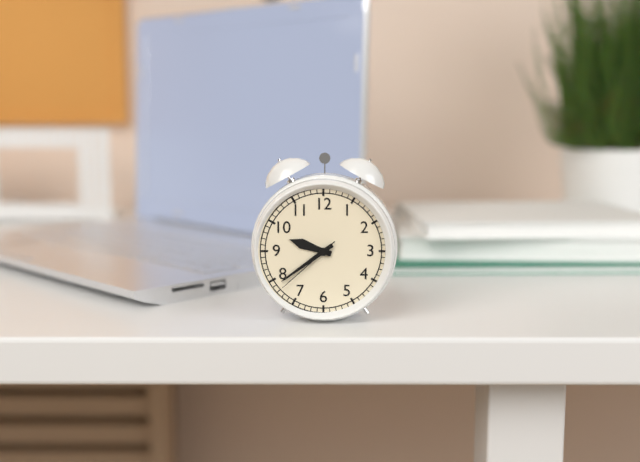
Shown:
9 h 39 min 38 s
